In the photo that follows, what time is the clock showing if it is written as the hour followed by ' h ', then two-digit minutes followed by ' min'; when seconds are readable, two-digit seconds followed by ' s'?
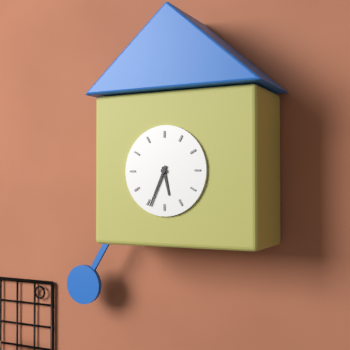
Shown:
5 h 34 min
